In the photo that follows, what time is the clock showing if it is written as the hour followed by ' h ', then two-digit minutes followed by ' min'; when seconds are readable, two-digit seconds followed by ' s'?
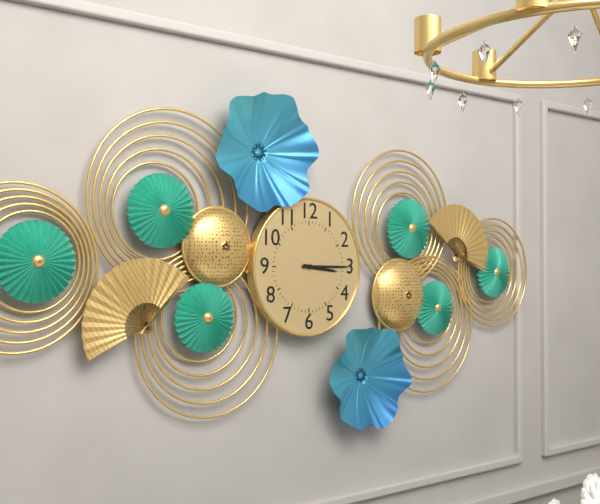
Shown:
3 h 15 min
